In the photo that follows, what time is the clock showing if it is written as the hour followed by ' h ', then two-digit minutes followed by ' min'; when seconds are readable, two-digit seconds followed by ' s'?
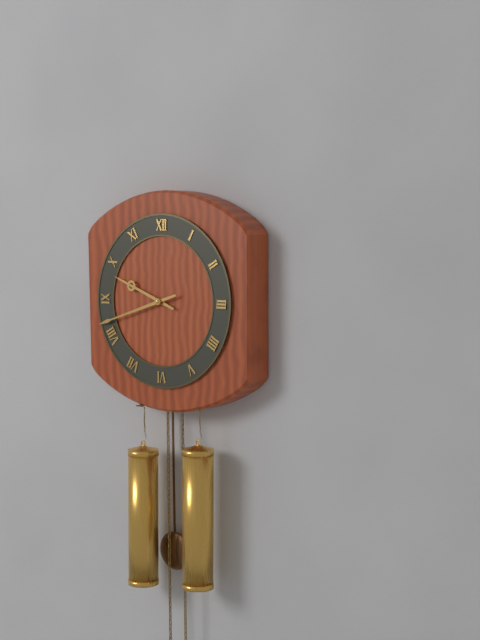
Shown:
9 h 42 min
